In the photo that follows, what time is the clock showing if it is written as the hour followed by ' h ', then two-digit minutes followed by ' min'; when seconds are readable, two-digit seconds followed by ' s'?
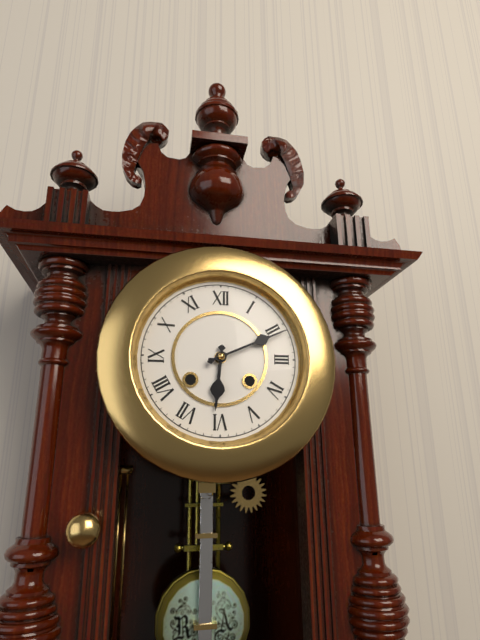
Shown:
6 h 11 min
